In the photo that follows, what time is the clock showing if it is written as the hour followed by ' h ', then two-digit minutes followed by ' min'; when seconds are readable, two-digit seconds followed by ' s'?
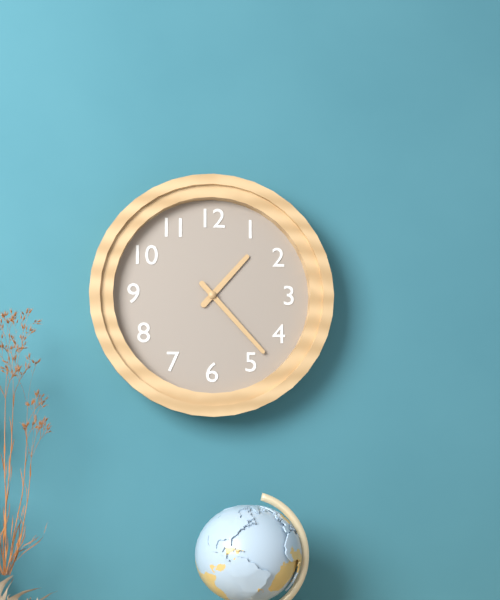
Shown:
1 h 23 min
